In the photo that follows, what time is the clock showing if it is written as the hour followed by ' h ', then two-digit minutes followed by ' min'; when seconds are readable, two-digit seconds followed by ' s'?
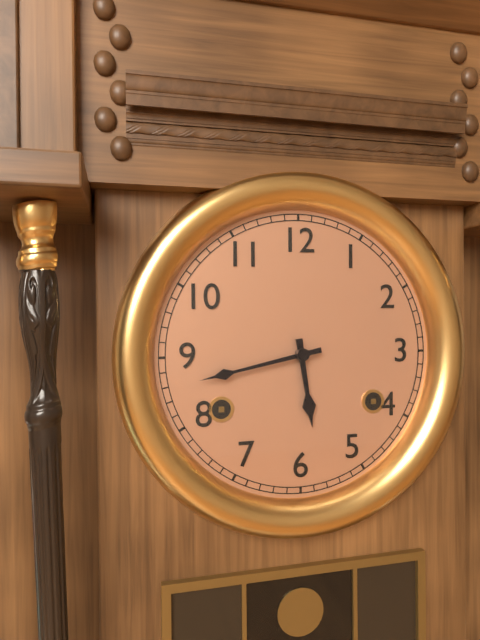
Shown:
5 h 43 min
